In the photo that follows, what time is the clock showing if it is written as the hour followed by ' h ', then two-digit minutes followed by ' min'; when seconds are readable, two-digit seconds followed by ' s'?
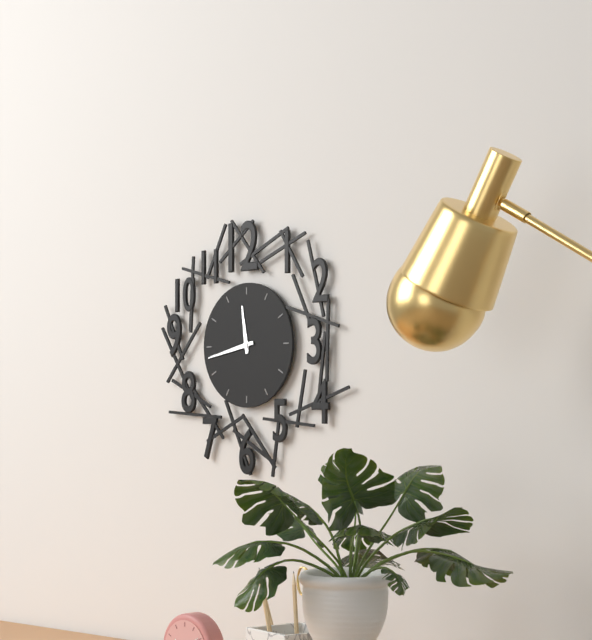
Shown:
11 h 43 min
